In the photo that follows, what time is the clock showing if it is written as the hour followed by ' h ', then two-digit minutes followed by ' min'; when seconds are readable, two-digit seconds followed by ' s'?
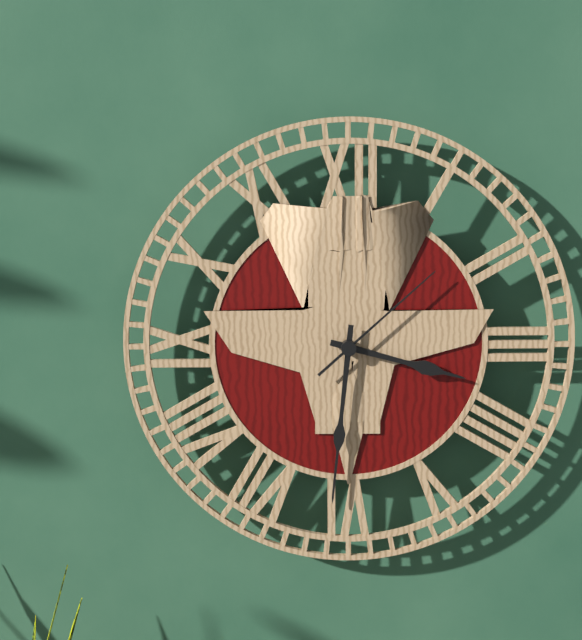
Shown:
3 h 31 min 08 s
